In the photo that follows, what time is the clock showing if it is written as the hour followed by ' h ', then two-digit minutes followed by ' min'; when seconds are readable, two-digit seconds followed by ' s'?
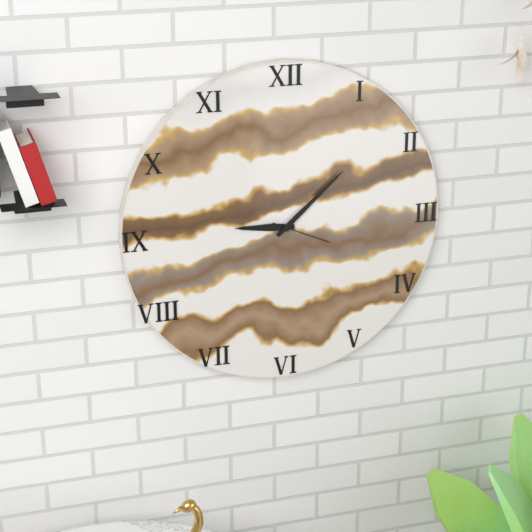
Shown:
9 h 08 min 19 s
